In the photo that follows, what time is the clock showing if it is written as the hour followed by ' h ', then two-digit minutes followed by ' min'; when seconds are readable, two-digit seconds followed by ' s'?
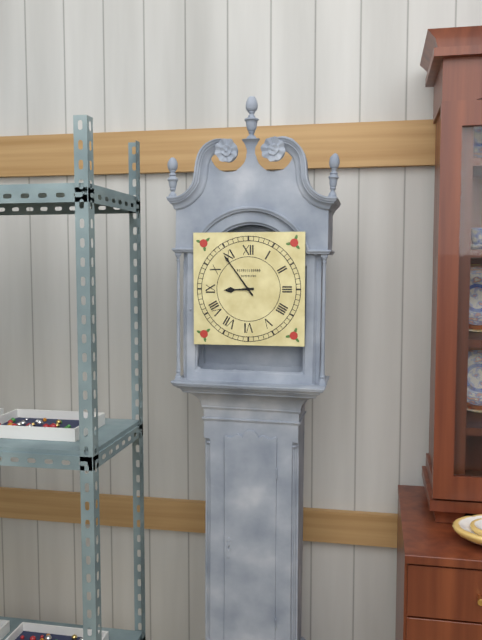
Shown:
8 h 54 min
